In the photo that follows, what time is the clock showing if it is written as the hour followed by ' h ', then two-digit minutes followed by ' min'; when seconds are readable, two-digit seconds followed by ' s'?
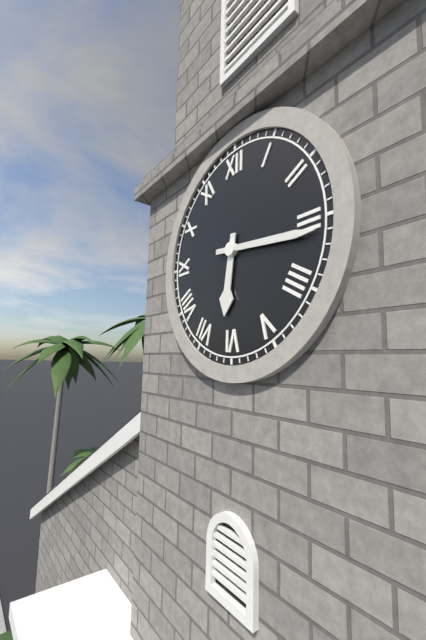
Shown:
6 h 16 min
